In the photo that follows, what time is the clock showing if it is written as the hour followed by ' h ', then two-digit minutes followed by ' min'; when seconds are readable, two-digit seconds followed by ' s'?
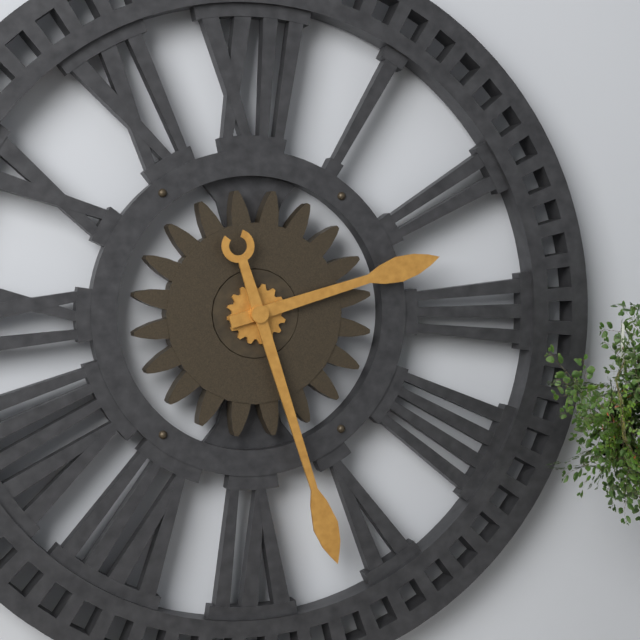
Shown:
2 h 27 min
